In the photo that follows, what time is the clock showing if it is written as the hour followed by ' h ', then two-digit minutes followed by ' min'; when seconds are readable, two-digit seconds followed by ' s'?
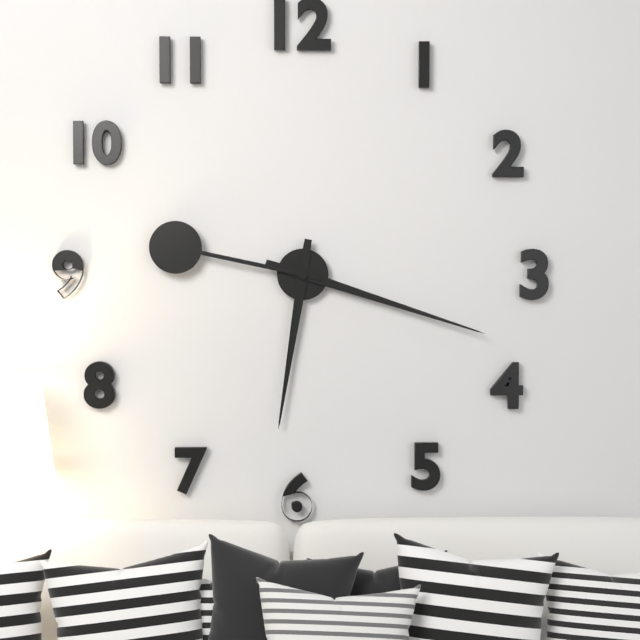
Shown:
6 h 18 min 47 s
